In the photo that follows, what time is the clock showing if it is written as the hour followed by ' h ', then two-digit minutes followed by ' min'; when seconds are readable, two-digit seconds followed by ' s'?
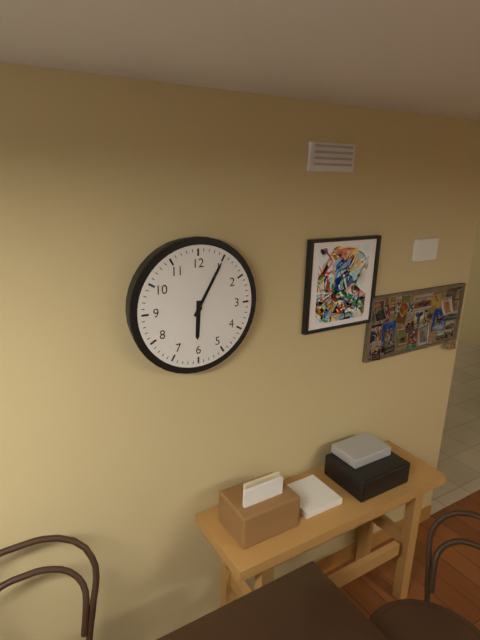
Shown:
6 h 05 min
